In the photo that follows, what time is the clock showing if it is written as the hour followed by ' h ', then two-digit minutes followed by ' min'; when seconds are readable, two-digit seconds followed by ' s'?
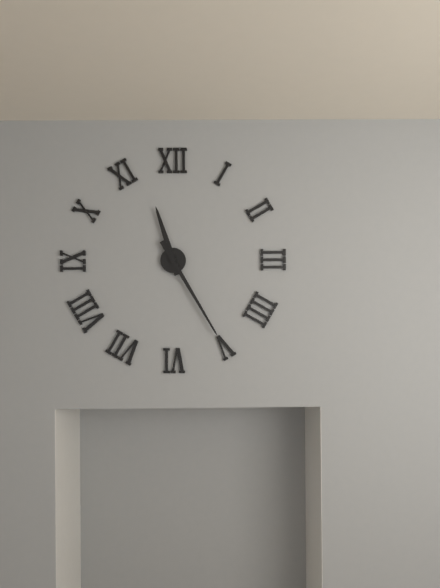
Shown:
11 h 25 min
